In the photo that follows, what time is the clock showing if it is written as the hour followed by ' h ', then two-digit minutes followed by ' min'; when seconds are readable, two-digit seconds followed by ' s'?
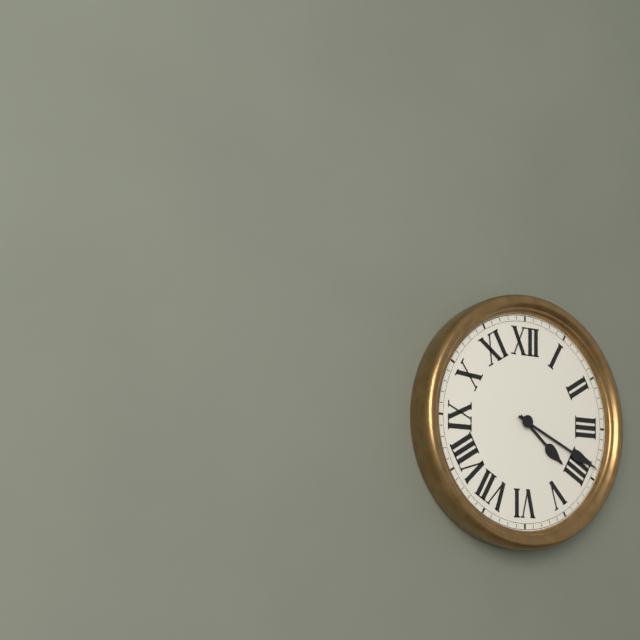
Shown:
4 h 19 min
